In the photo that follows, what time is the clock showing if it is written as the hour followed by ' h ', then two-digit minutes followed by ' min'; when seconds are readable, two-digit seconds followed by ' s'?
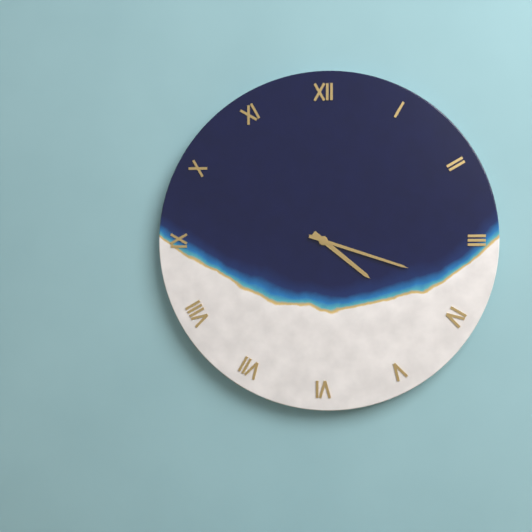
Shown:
4 h 18 min
